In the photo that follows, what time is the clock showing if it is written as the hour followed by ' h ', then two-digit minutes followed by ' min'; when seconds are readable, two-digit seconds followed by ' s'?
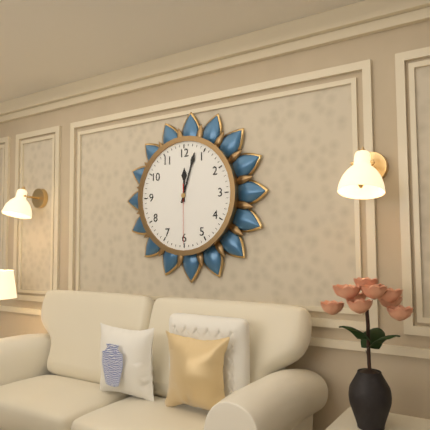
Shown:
12 h 03 min 30 s
